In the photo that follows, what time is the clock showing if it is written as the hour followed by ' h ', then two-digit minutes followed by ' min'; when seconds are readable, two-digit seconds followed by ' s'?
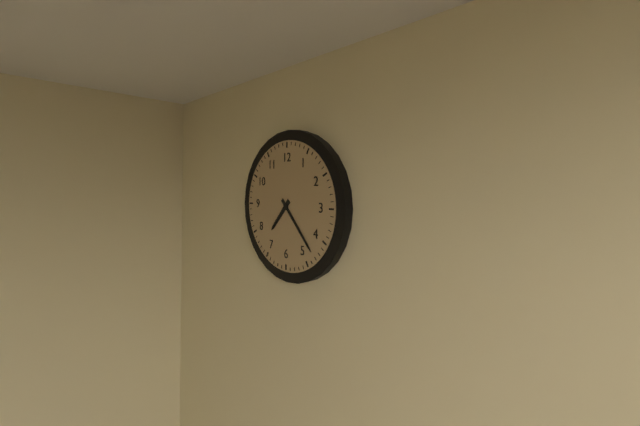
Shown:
7 h 23 min
